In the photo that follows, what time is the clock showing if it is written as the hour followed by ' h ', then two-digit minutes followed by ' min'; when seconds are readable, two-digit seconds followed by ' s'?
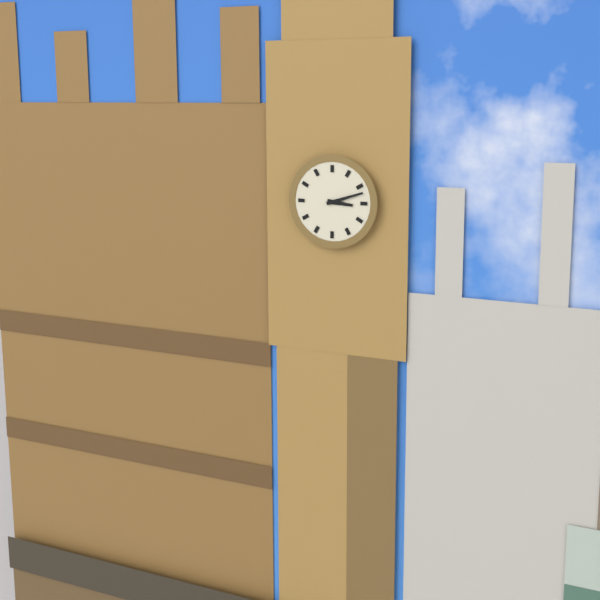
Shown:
3 h 12 min
